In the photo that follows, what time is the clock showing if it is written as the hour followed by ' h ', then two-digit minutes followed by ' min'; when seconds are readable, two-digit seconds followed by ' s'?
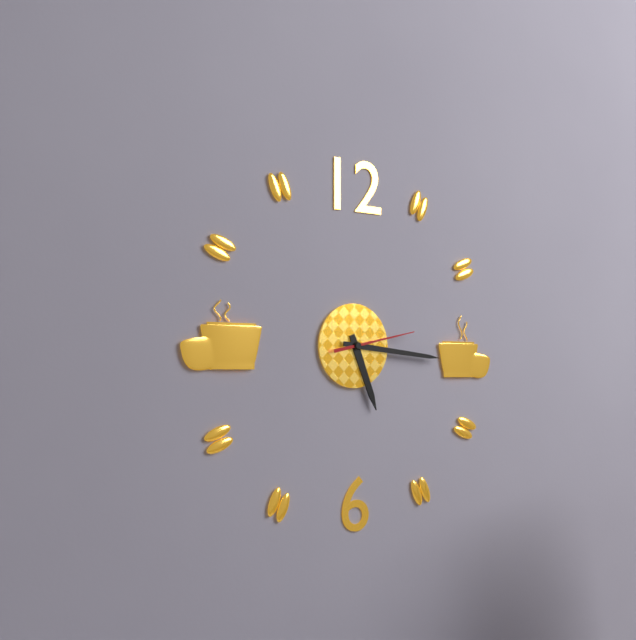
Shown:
5 h 16 min 13 s
